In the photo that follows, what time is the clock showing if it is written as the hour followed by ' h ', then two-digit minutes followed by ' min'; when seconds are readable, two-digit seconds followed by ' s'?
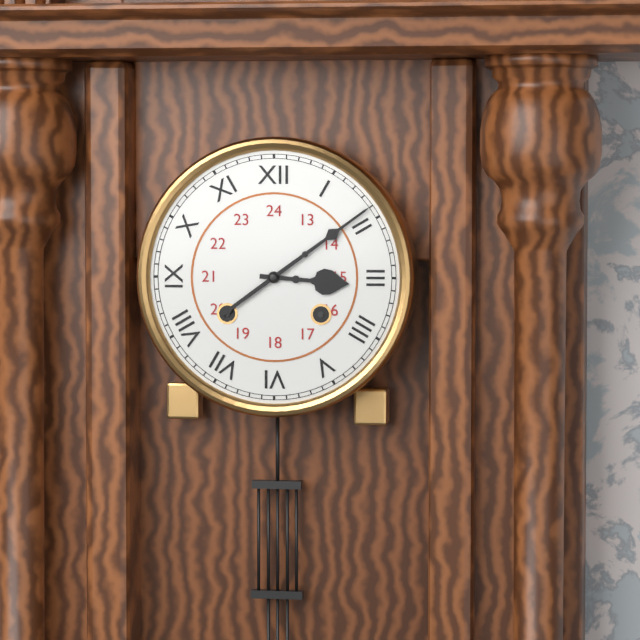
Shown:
3 h 09 min
